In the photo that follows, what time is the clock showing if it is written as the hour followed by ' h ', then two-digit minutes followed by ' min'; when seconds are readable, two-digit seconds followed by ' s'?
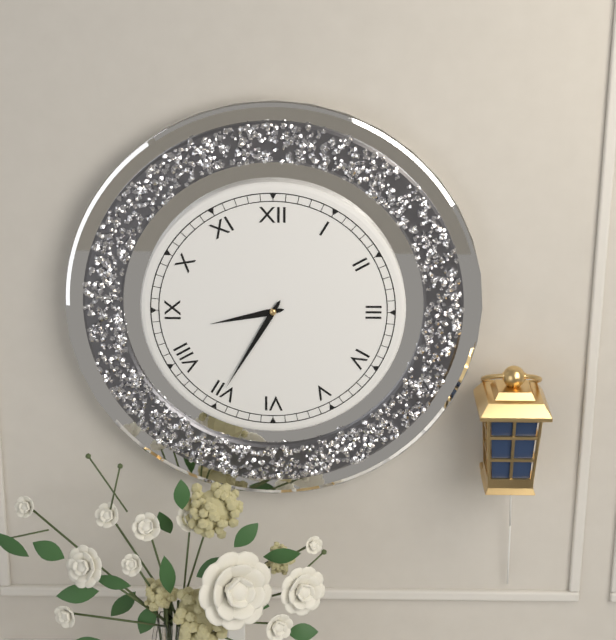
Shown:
8 h 35 min
